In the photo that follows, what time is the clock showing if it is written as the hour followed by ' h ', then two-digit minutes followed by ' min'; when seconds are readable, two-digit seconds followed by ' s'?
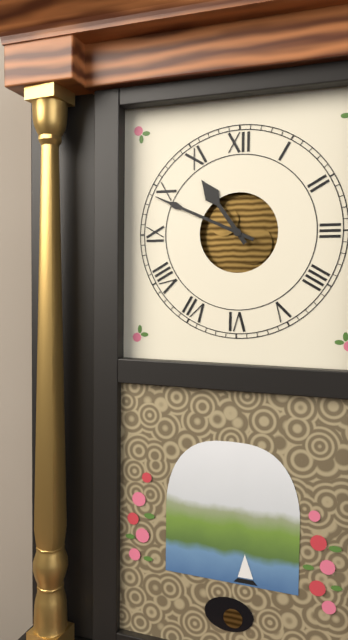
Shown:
10 h 49 min
